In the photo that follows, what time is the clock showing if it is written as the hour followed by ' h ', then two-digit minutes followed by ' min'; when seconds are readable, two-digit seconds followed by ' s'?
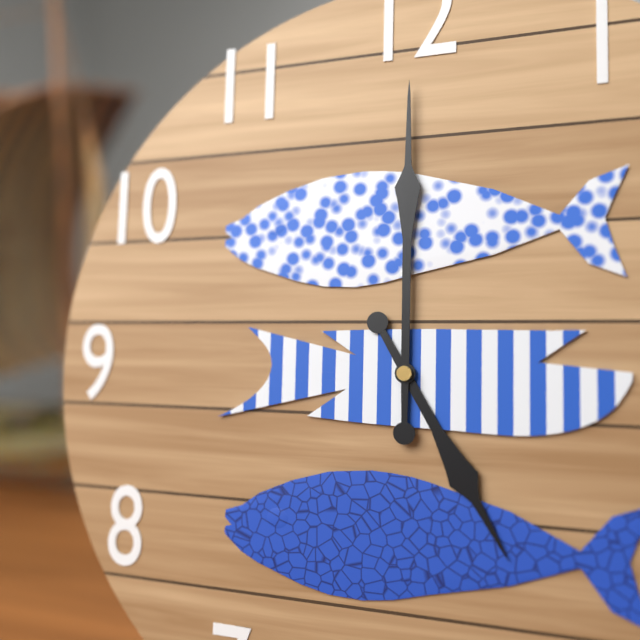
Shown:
5 h 00 min
